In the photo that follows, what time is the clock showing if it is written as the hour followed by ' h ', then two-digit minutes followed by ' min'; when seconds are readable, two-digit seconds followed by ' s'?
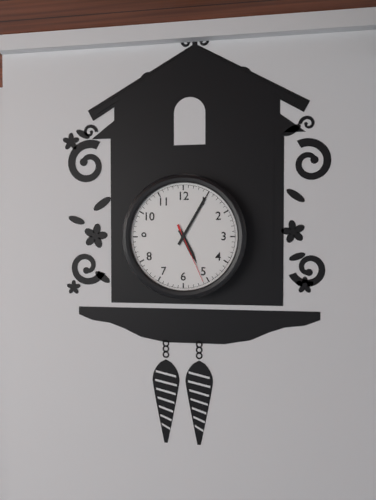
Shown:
5 h 05 min 26 s
